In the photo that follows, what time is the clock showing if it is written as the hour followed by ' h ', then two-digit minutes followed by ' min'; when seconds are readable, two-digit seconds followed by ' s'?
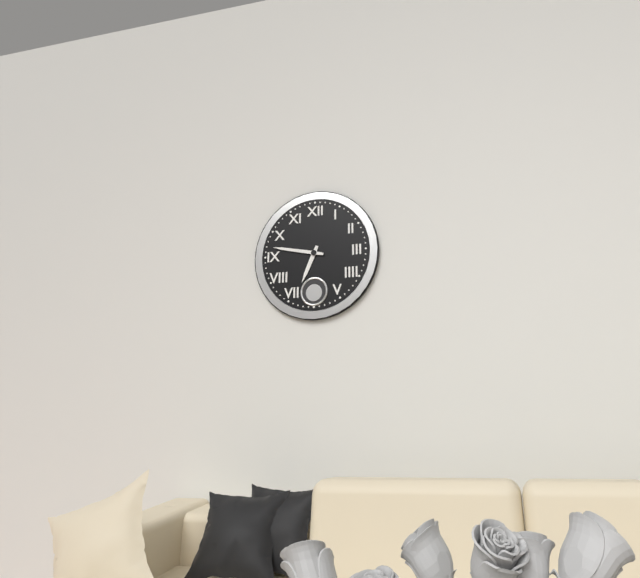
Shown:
6 h 47 min
